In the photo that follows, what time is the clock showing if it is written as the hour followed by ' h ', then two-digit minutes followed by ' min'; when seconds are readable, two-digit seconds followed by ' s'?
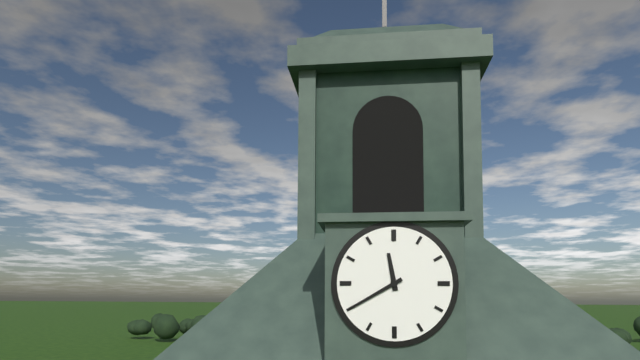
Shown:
11 h 40 min
